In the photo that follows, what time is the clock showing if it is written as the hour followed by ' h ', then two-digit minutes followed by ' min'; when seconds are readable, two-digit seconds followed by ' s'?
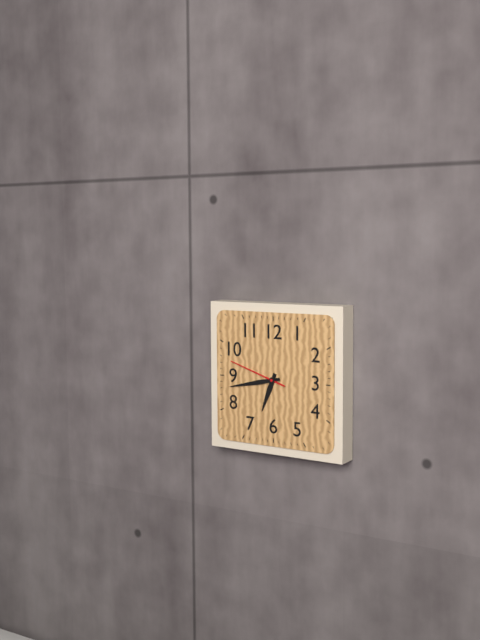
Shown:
6 h 43 min 48 s
